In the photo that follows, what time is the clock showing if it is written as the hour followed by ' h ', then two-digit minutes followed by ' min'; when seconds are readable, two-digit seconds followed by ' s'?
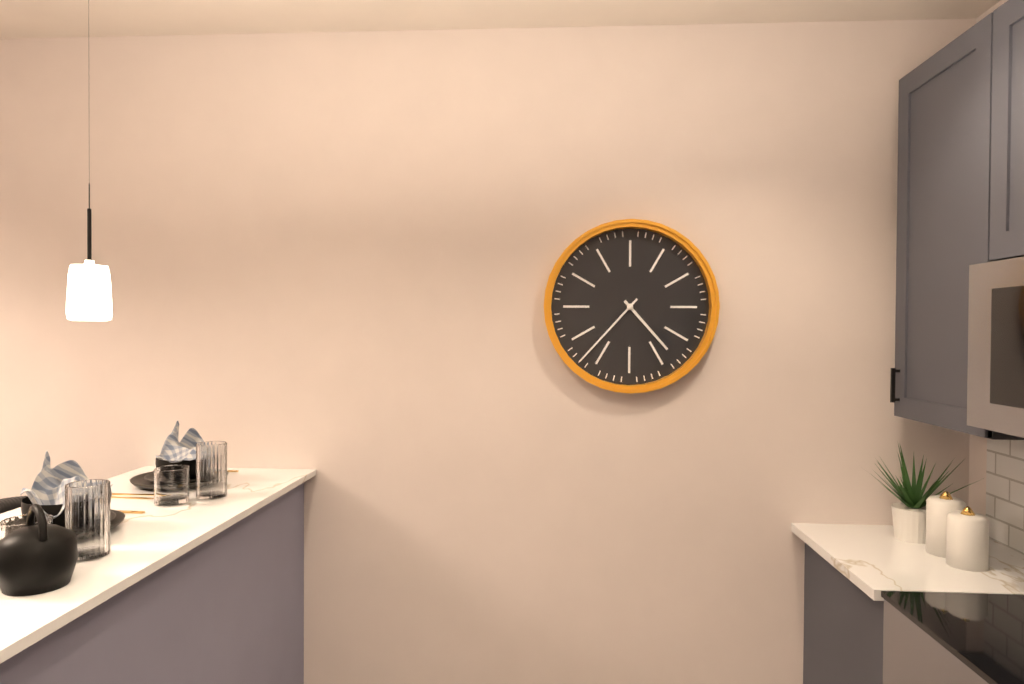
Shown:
4 h 37 min
